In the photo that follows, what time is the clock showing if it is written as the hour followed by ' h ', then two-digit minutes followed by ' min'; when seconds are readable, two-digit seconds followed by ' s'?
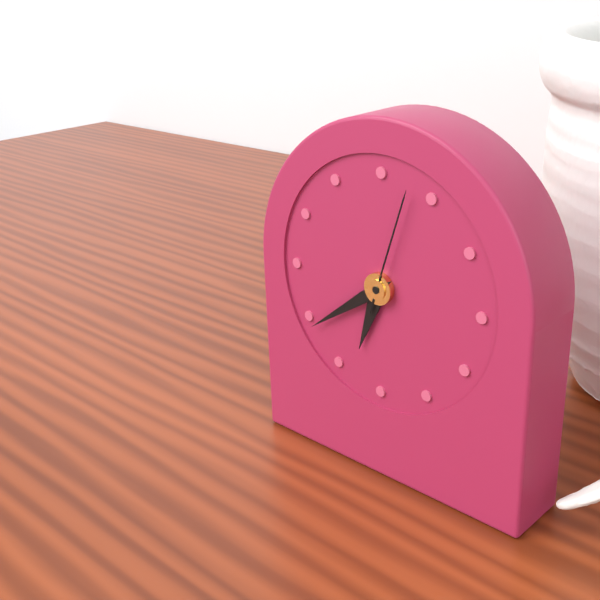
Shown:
6 h 39 min 03 s
